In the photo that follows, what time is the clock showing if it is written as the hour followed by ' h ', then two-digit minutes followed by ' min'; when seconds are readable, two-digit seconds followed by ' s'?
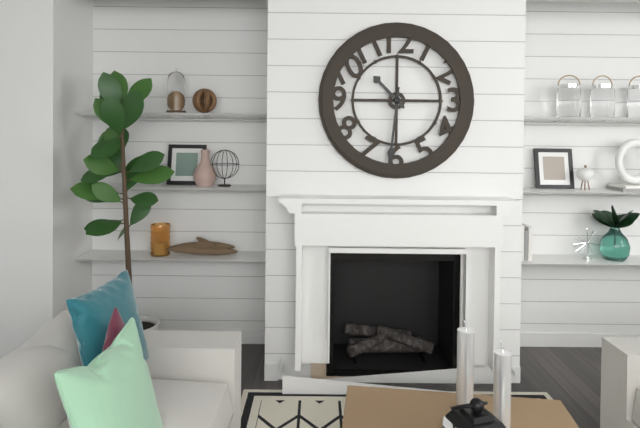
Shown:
10 h 31 min
